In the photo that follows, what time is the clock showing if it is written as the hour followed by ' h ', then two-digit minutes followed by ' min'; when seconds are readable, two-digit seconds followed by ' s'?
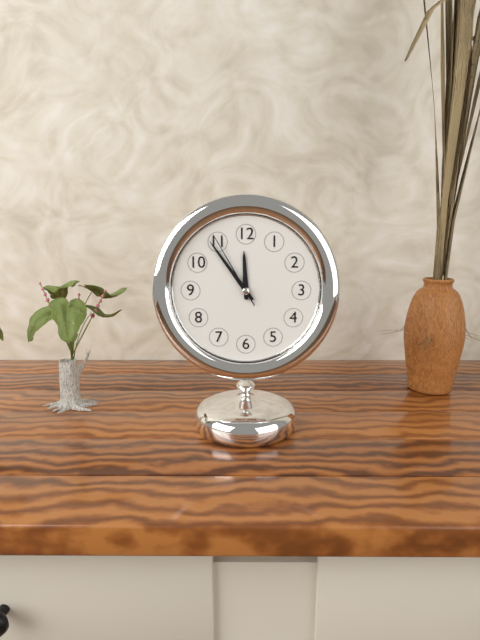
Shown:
11 h 54 min 55 s
